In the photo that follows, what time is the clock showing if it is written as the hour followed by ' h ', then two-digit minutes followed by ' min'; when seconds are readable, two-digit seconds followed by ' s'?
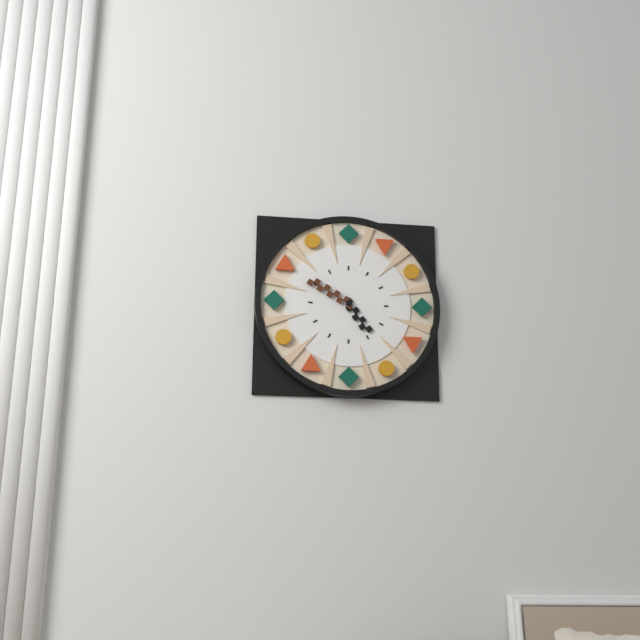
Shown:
4 h 50 min
